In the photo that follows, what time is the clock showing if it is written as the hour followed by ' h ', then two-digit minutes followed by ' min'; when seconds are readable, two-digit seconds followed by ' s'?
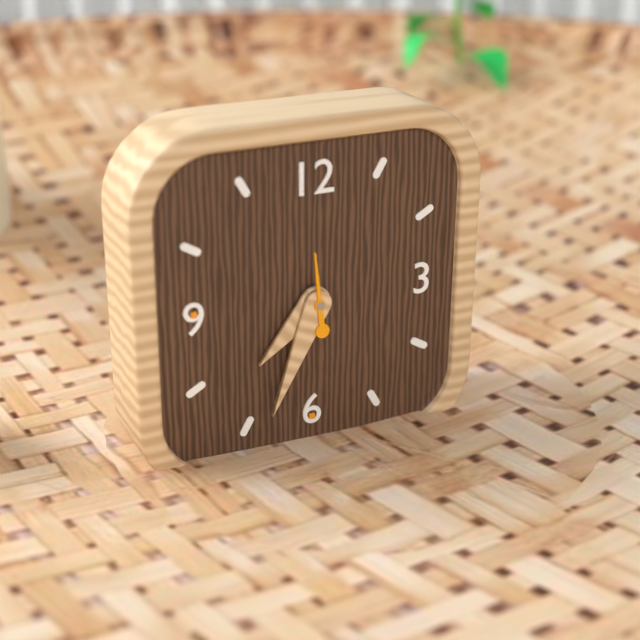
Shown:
7 h 34 min
